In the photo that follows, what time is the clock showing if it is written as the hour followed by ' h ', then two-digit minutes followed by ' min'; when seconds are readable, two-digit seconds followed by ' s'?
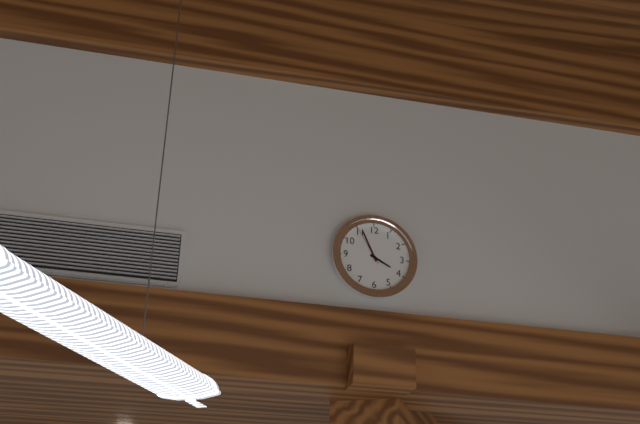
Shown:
3 h 56 min
